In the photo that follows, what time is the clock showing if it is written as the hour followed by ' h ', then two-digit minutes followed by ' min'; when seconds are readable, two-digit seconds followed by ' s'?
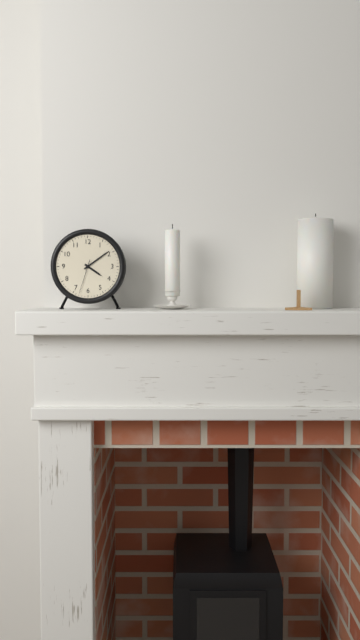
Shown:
4 h 09 min
